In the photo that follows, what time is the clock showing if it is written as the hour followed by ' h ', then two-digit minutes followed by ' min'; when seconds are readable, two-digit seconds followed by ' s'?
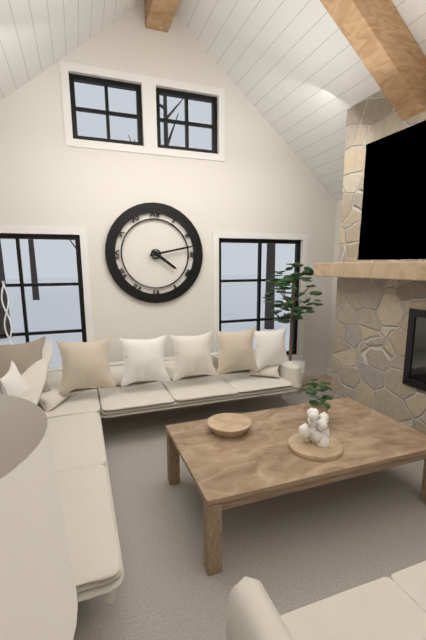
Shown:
4 h 13 min
